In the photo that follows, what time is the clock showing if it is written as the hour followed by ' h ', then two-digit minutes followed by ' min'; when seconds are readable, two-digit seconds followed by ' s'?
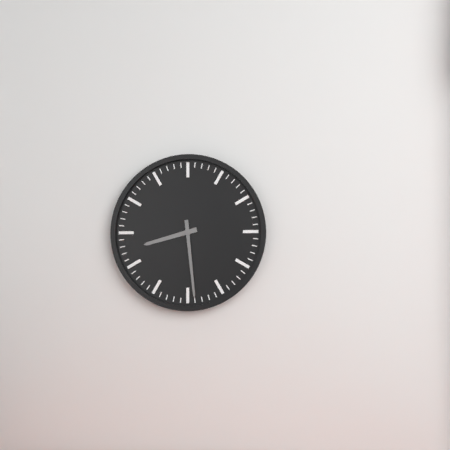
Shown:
8 h 29 min
